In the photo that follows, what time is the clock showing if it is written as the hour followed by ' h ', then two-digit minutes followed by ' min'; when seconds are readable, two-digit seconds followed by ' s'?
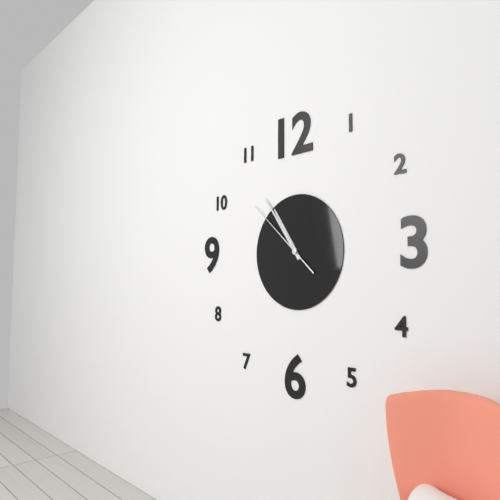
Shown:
10 h 54 min 52 s
